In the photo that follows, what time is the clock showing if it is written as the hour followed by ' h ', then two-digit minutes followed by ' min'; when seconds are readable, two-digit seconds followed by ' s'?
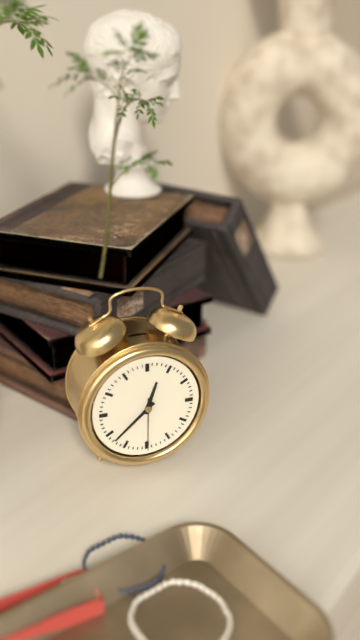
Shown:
12 h 38 min 30 s
